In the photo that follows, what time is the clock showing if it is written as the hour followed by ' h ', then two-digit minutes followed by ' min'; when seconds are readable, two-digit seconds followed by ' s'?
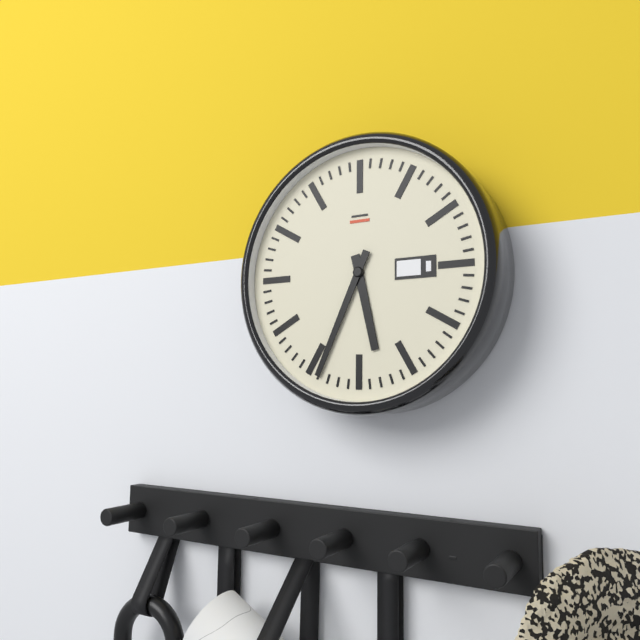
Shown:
5 h 34 min
